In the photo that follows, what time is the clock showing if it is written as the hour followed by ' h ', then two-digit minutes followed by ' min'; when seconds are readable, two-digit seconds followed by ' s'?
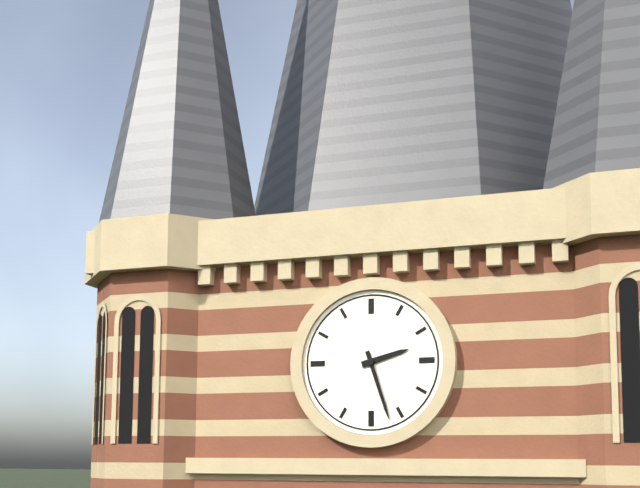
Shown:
2 h 27 min
